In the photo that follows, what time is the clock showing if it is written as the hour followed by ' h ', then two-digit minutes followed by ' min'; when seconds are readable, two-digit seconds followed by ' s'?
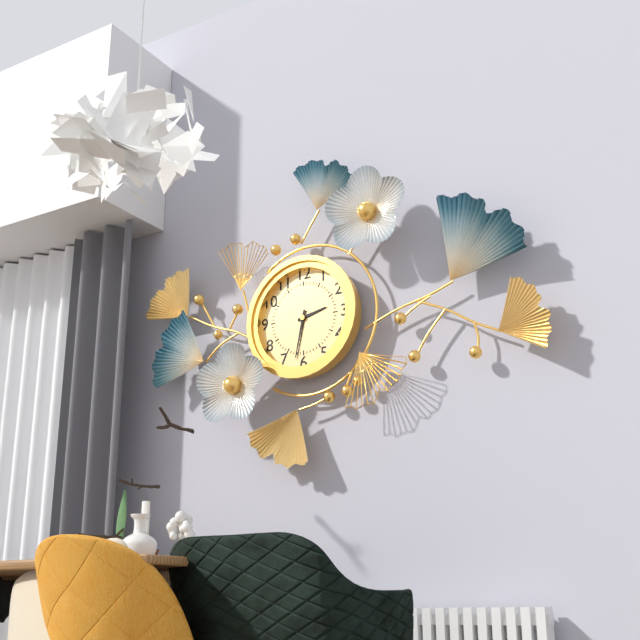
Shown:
2 h 32 min
